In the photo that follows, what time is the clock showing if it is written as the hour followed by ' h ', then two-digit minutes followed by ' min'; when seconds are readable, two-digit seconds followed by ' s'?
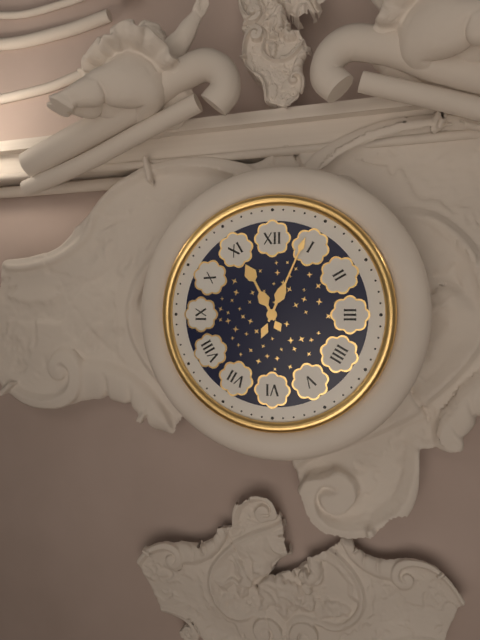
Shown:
11 h 04 min
